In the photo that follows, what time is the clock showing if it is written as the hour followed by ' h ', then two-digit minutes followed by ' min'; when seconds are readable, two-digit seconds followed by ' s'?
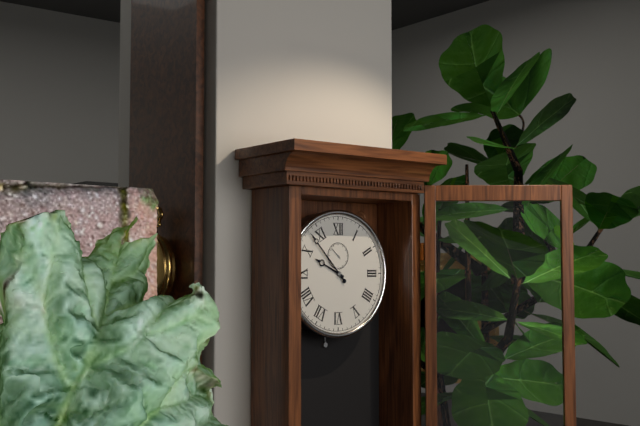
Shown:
9 h 53 min
